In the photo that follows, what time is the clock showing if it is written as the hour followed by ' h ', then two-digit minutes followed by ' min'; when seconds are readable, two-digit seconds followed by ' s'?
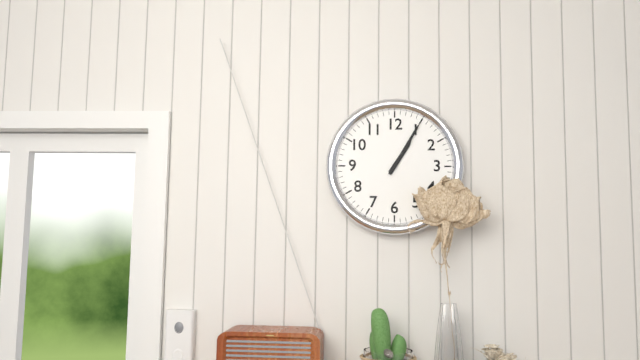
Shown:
1 h 05 min
